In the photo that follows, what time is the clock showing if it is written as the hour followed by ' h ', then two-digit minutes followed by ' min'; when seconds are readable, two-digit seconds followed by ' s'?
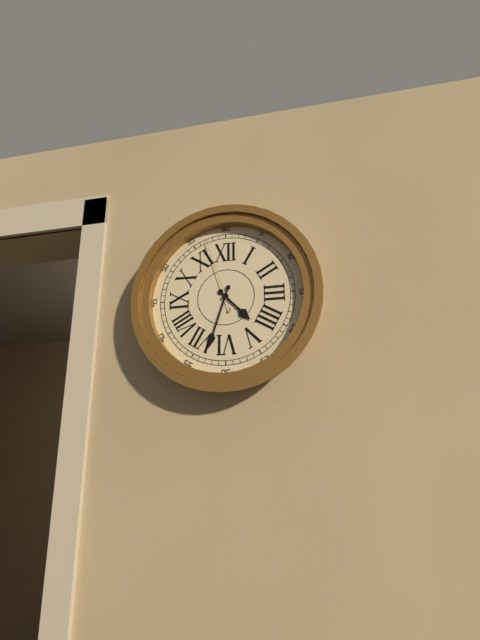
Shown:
4 h 33 min 57 s
